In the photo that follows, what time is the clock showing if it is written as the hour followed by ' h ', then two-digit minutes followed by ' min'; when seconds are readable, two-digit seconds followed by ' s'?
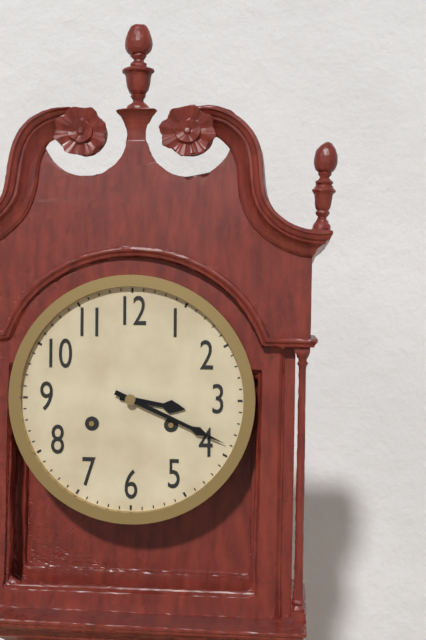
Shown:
3 h 19 min
